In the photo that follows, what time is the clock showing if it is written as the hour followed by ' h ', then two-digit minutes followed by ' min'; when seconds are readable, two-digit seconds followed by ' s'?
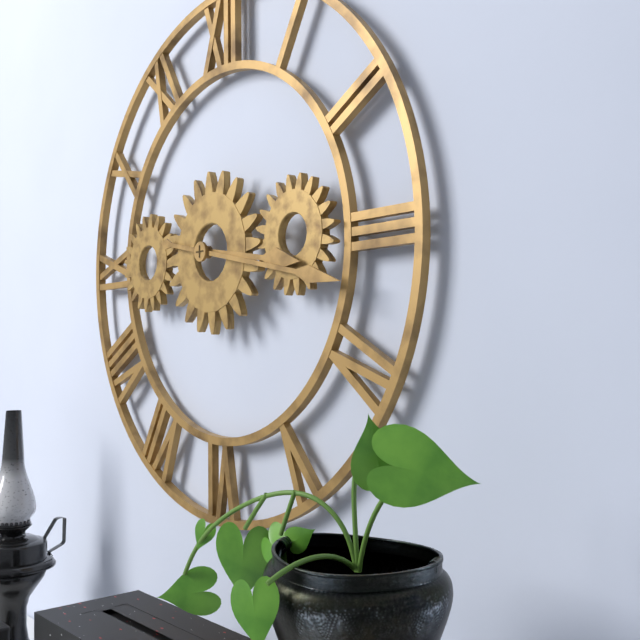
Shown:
3 h 17 min
